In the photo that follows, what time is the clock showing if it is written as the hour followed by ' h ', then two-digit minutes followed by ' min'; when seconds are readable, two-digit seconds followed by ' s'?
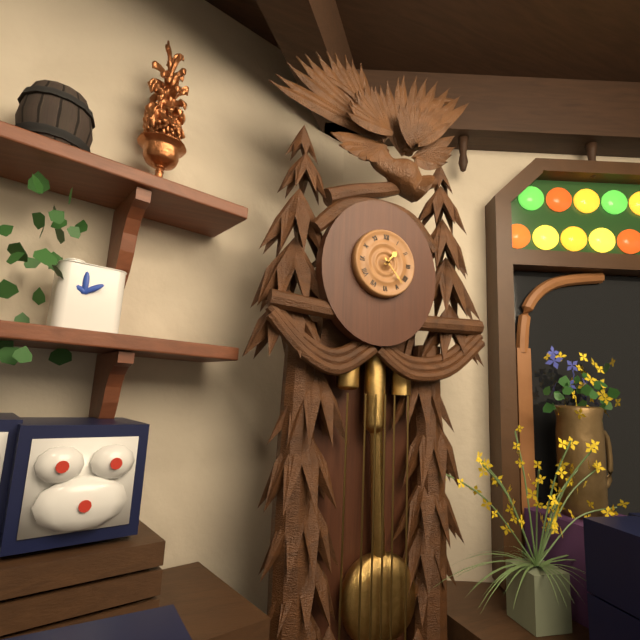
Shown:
1 h 23 min
